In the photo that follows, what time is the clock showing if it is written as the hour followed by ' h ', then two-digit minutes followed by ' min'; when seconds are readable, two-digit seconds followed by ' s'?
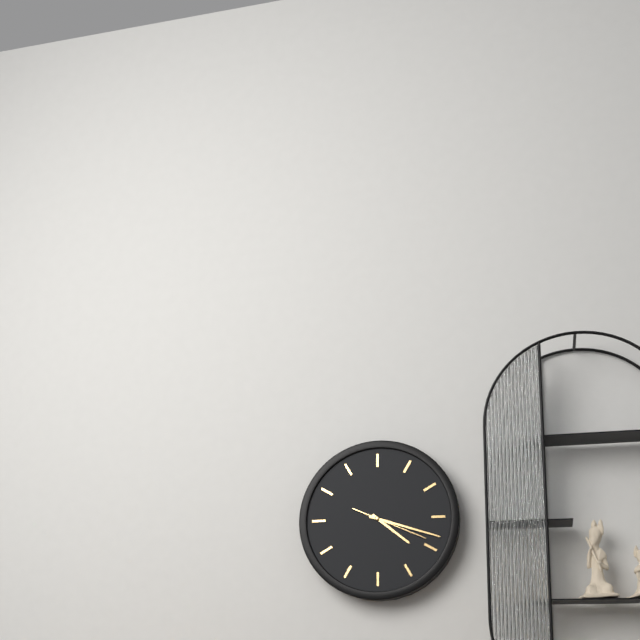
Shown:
4 h 18 min 19 s
